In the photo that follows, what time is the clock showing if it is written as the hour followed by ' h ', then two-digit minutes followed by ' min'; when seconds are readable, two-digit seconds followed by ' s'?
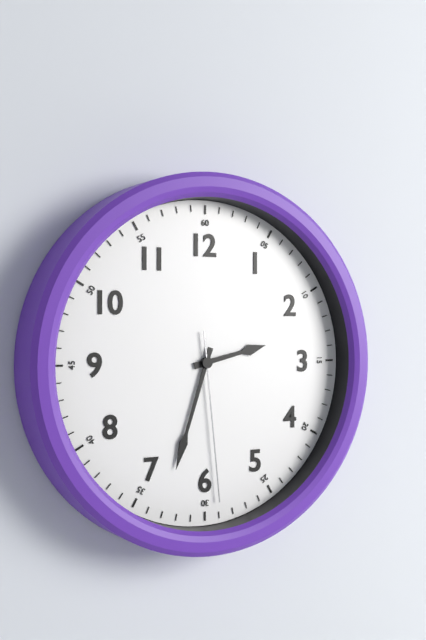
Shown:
2 h 33 min 29 s
